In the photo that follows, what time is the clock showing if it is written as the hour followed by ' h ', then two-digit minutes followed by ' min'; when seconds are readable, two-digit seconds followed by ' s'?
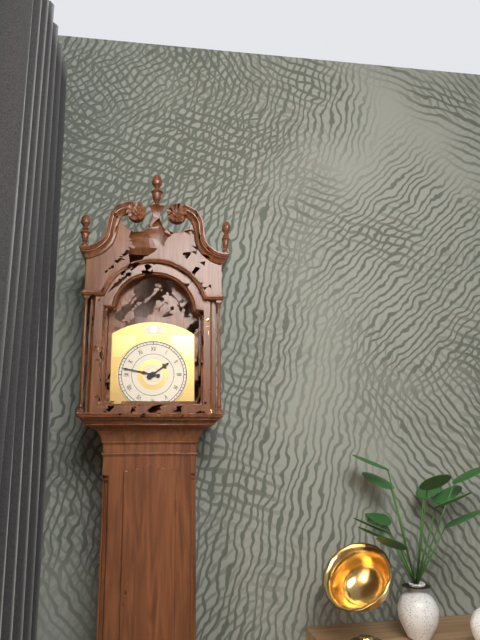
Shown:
1 h 47 min
